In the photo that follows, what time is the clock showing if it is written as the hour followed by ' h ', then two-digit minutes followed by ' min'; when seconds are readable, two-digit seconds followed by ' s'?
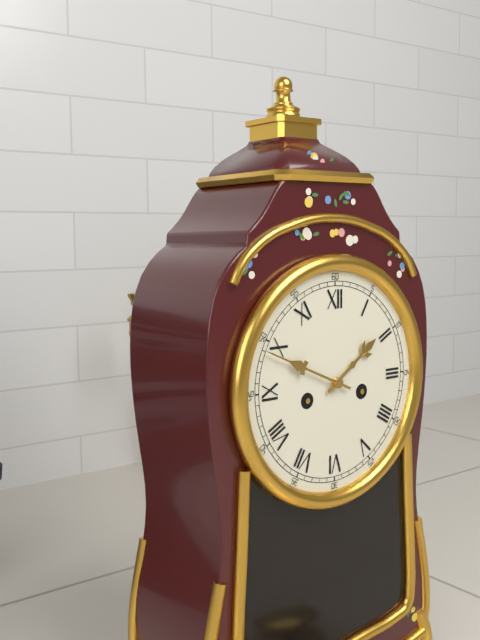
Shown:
1 h 49 min
